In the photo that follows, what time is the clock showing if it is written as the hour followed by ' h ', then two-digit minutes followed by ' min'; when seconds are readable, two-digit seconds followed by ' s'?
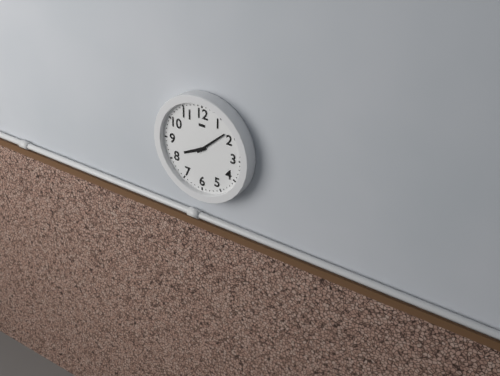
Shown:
8 h 08 min
